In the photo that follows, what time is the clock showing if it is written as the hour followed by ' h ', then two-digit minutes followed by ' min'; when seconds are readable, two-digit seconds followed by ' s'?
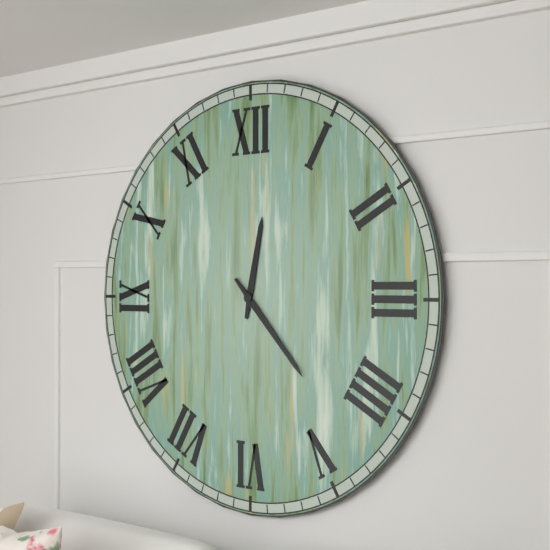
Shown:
12 h 23 min
